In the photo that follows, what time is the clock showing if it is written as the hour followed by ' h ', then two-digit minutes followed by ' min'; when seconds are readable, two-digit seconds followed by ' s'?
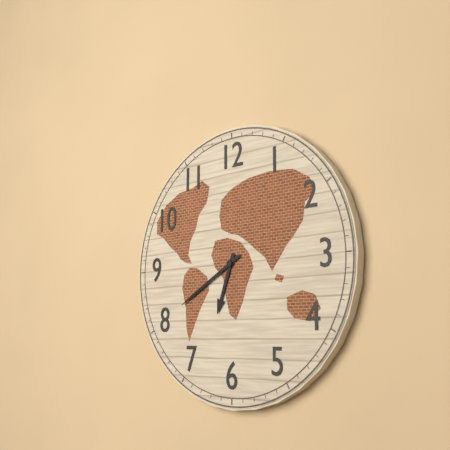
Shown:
6 h 40 min
